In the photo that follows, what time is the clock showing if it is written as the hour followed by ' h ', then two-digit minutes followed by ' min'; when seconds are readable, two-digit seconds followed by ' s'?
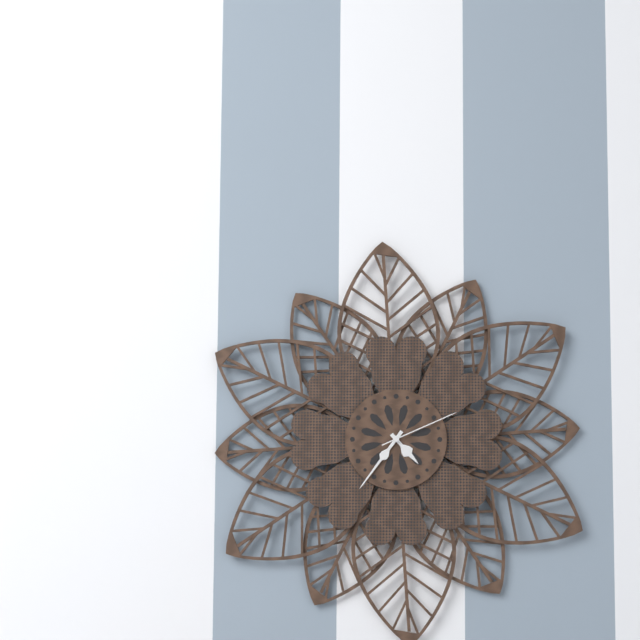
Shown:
4 h 36 min 11 s
